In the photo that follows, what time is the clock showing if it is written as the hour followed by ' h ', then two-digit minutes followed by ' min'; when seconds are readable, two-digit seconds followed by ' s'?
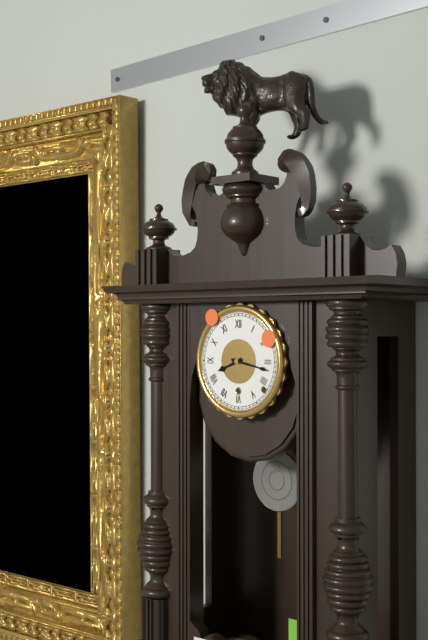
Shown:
8 h 17 min
